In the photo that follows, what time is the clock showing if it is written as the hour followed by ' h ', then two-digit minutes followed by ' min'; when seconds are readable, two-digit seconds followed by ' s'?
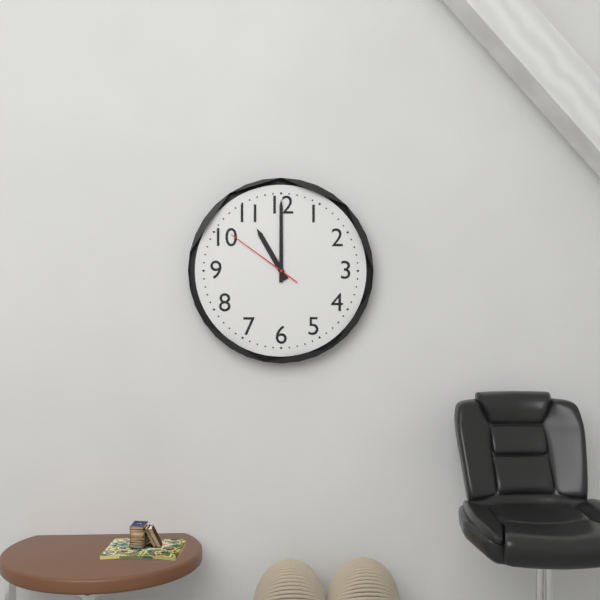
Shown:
11 h 00 min 51 s
